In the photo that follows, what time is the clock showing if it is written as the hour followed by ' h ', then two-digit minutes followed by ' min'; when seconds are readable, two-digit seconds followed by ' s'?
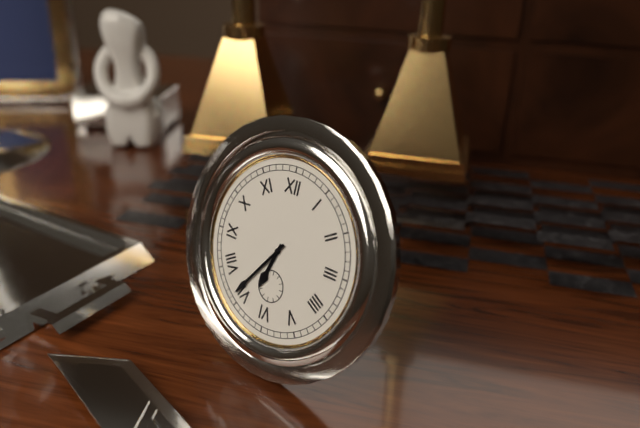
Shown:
6 h 36 min
